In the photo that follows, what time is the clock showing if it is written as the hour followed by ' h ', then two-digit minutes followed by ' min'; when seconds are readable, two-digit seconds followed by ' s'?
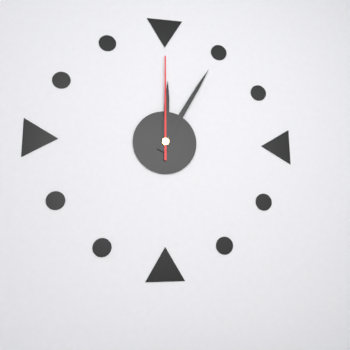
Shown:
12 h 05 min 00 s
